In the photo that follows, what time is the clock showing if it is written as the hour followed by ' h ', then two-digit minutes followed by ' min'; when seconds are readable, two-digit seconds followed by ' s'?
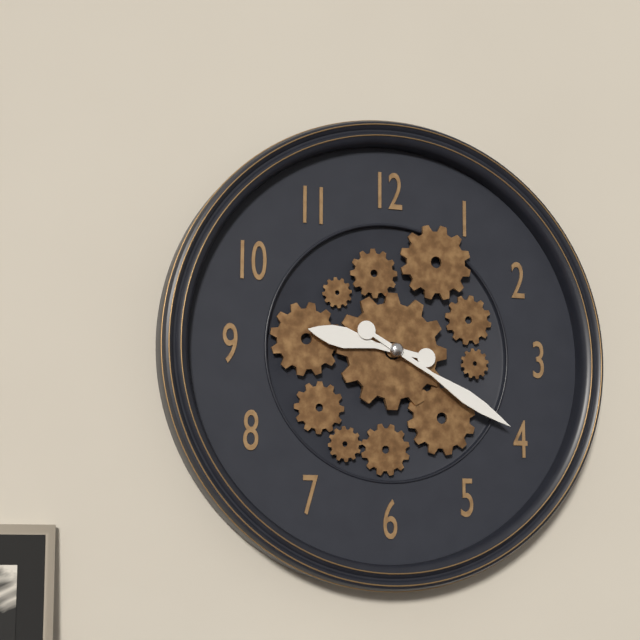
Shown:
9 h 20 min
